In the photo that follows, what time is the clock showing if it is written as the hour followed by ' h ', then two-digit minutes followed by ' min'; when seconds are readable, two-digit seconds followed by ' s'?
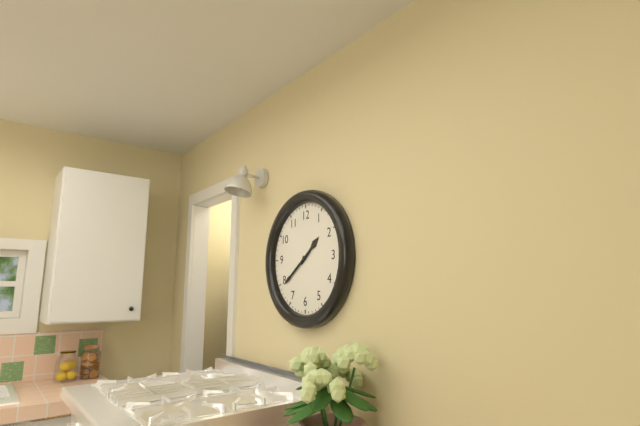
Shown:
1 h 39 min
